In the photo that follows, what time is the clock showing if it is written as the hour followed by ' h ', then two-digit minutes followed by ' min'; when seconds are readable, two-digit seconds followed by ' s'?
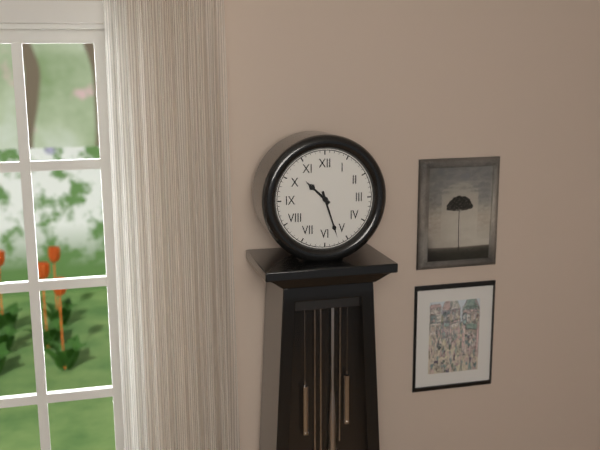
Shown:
10 h 27 min
